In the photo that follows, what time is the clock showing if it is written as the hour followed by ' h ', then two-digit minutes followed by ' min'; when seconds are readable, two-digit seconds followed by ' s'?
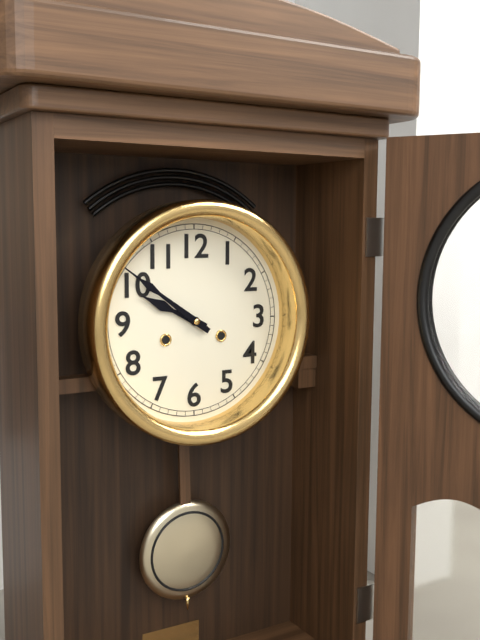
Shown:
9 h 51 min
